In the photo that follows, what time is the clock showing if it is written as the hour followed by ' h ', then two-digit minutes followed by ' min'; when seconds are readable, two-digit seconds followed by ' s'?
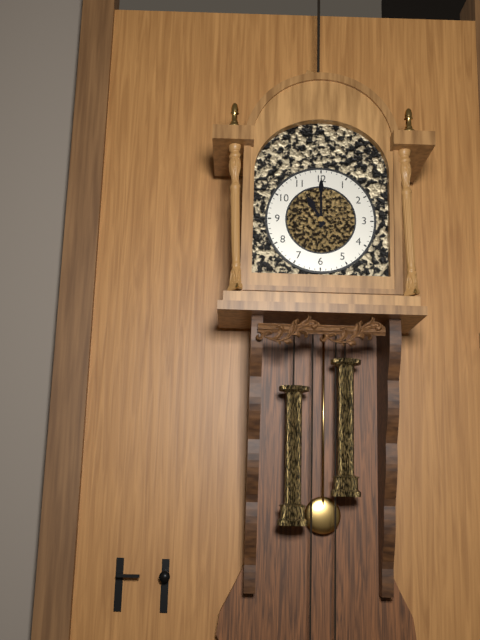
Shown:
11 h 00 min
